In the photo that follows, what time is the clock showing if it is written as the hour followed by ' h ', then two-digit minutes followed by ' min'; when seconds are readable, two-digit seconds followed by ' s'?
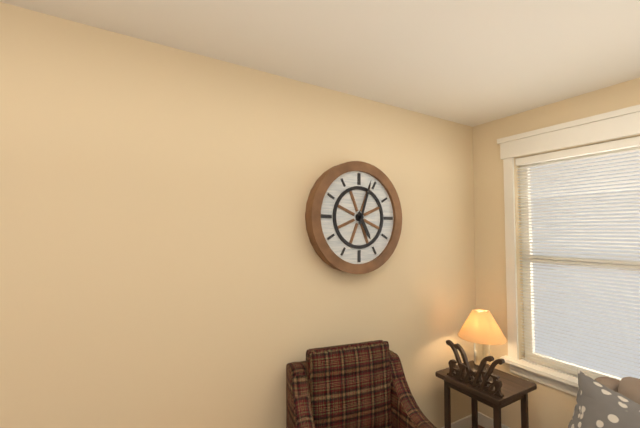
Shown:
5 h 03 min
